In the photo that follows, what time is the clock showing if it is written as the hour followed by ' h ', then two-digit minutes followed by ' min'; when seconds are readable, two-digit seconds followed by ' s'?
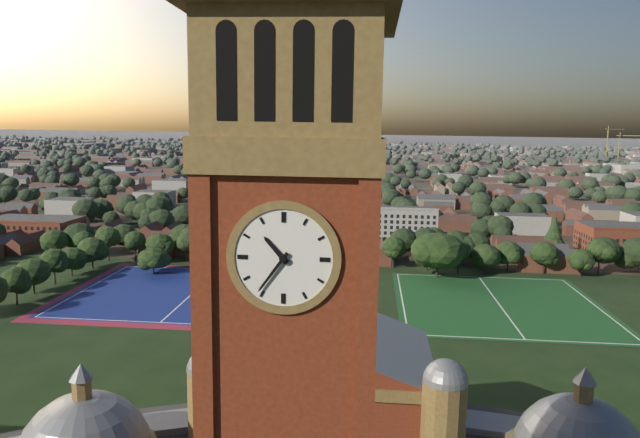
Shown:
10 h 36 min
